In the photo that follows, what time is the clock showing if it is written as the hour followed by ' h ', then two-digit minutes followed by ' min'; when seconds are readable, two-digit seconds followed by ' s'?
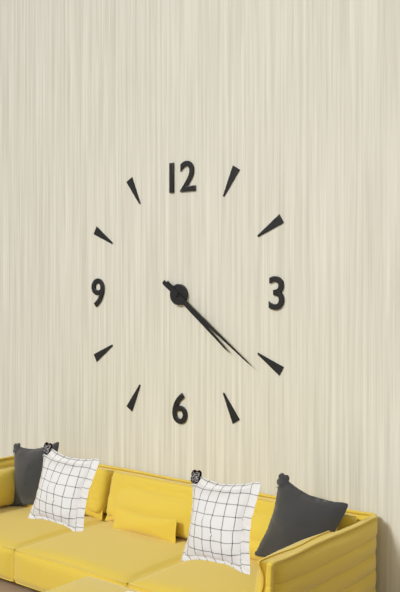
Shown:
4 h 21 min
